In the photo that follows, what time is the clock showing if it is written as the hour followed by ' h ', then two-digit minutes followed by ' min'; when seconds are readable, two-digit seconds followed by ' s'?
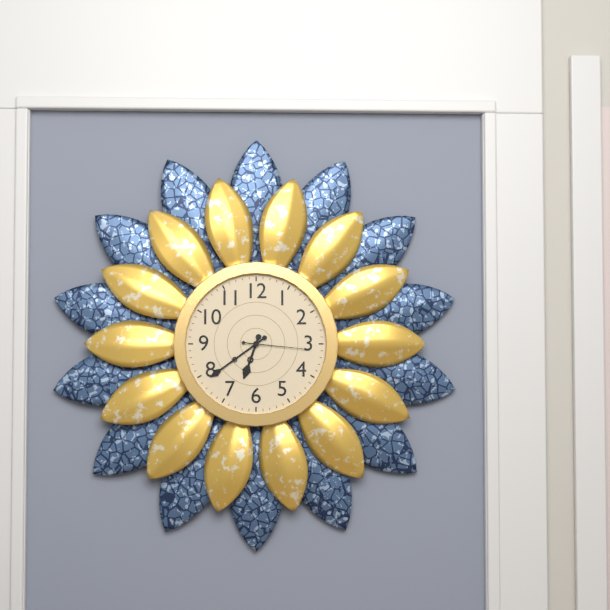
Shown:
6 h 39 min 16 s
